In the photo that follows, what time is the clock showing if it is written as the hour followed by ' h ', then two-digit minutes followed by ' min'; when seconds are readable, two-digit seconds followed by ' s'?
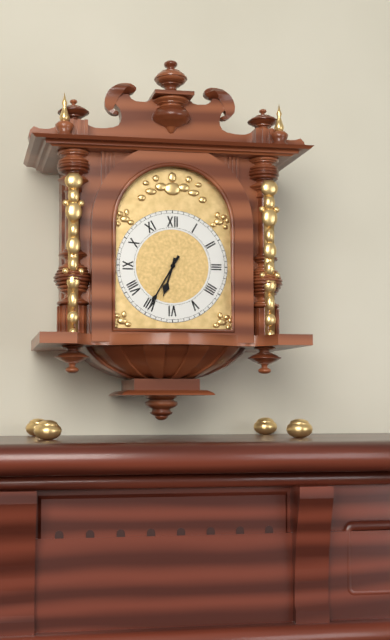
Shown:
6 h 35 min
